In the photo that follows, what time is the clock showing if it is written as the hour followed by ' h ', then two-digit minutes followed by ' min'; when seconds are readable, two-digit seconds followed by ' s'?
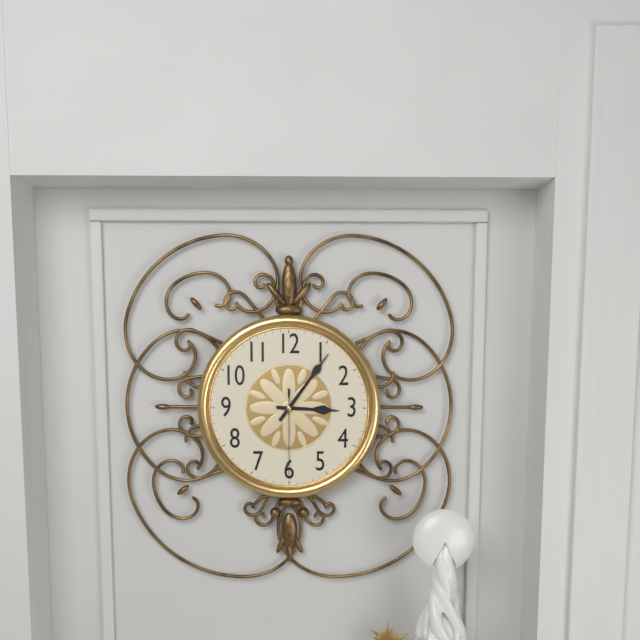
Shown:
3 h 06 min 30 s
